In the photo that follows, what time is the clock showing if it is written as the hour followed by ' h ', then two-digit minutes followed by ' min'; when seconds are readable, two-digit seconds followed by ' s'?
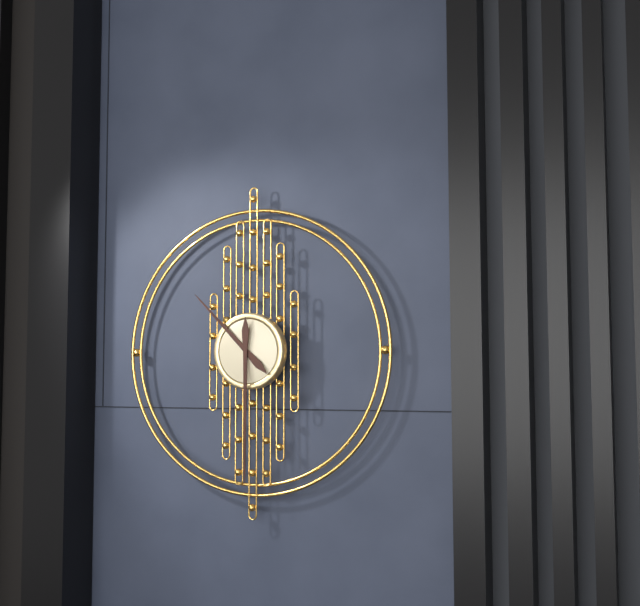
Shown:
10 h 30 min
